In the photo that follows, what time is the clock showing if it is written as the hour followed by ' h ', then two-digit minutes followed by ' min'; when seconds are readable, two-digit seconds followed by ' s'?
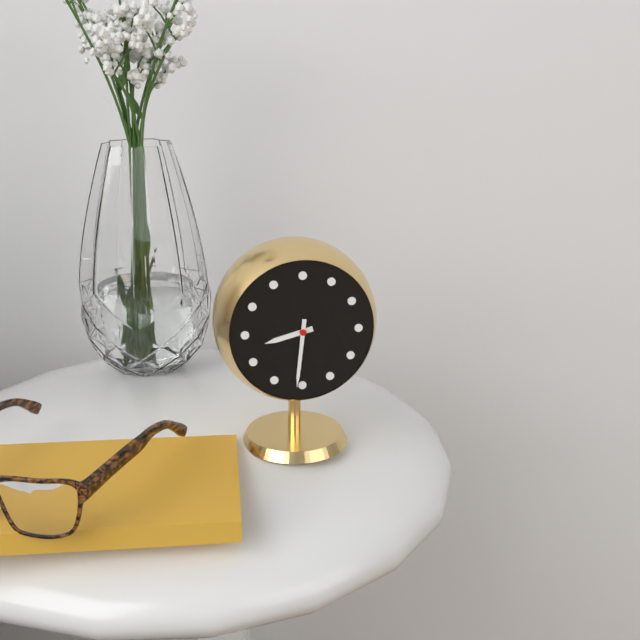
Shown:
8 h 31 min
